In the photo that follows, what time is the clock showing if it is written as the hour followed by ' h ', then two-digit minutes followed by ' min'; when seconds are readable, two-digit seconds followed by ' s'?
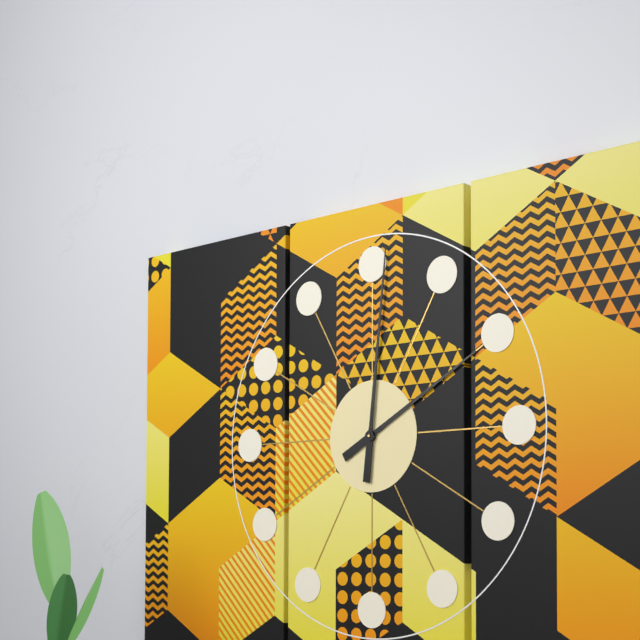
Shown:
2 h 01 min
